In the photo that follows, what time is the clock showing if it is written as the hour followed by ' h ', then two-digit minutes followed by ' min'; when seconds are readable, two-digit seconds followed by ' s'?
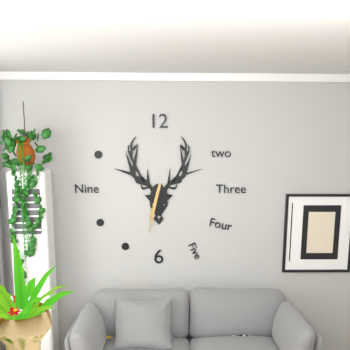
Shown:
6 h 32 min
